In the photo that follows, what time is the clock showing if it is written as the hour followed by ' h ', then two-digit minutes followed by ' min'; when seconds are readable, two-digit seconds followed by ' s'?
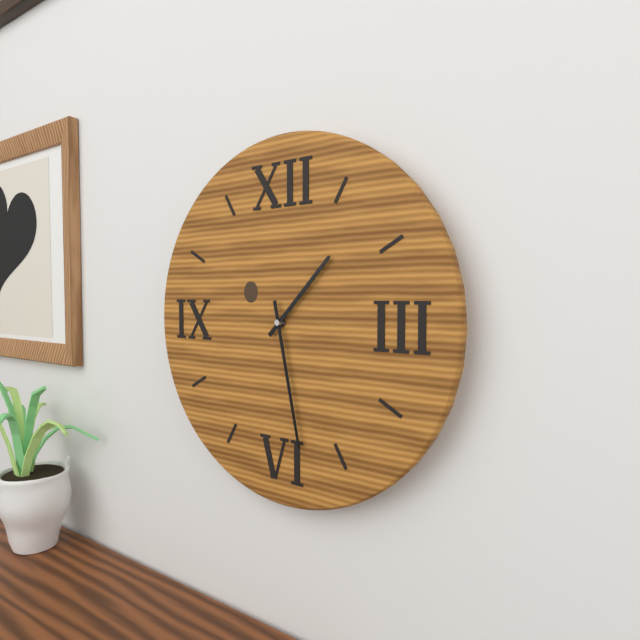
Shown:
1 h 28 min
